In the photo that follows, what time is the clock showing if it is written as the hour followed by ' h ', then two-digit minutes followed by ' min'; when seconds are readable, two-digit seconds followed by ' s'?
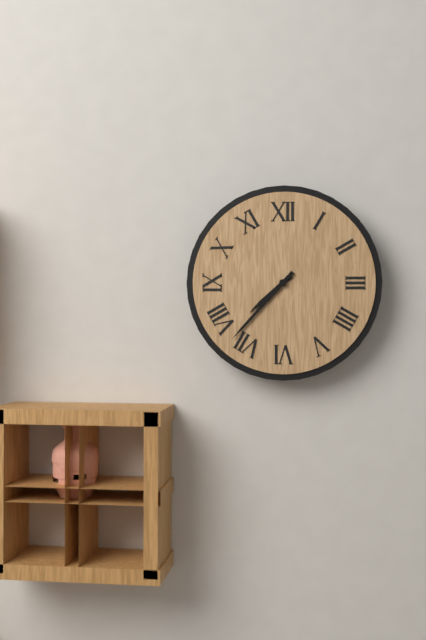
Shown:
7 h 37 min
